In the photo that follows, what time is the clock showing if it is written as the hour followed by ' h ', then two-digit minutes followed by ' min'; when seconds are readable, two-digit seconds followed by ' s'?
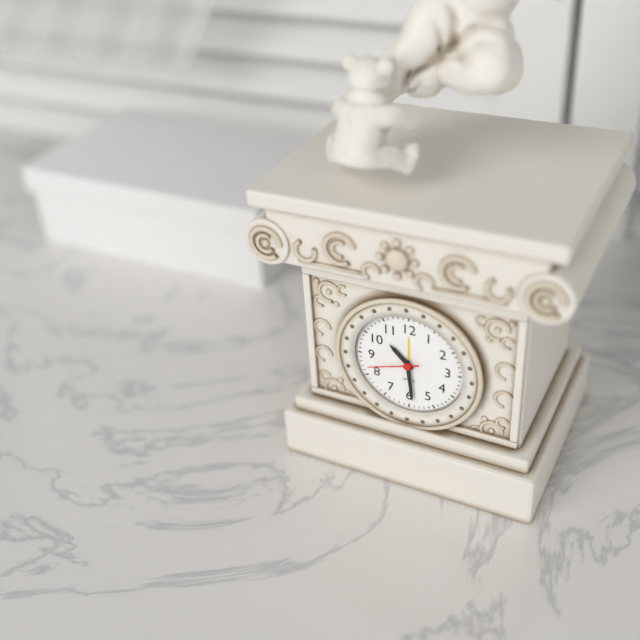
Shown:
10 h 29 min 42 s
